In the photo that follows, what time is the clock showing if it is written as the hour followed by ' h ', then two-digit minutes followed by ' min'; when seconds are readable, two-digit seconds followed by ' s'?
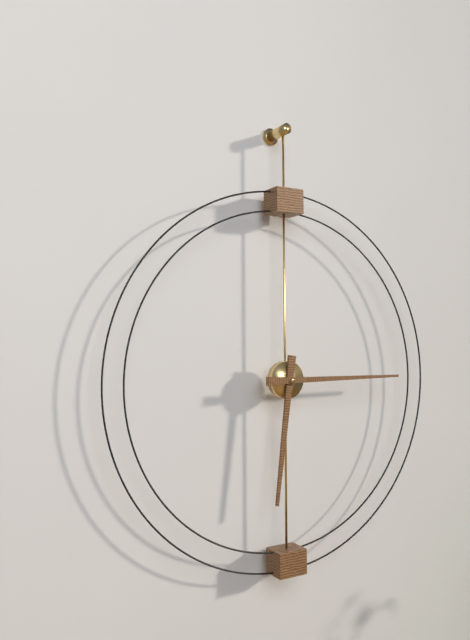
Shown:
6 h 15 min
